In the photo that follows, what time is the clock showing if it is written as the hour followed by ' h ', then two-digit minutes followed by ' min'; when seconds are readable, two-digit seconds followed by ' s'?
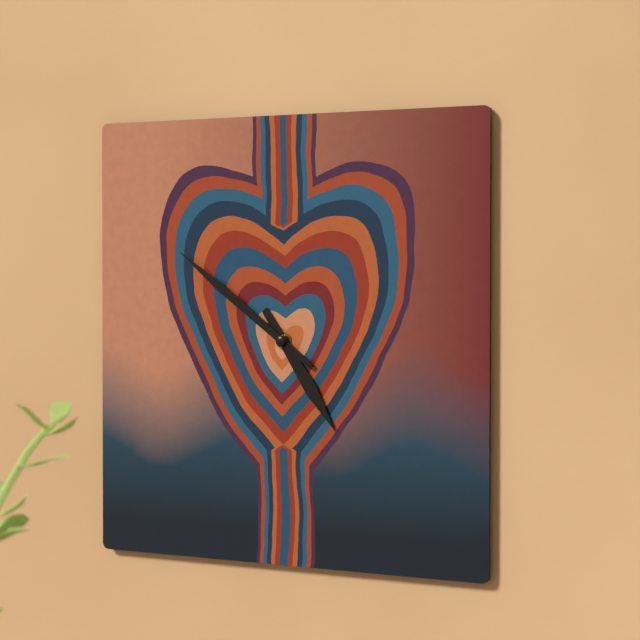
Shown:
4 h 51 min
